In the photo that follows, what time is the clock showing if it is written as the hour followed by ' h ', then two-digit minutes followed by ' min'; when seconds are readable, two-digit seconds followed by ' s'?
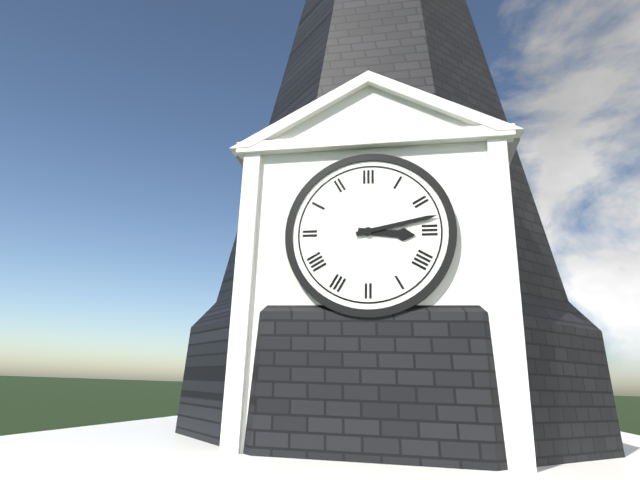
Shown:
3 h 13 min
